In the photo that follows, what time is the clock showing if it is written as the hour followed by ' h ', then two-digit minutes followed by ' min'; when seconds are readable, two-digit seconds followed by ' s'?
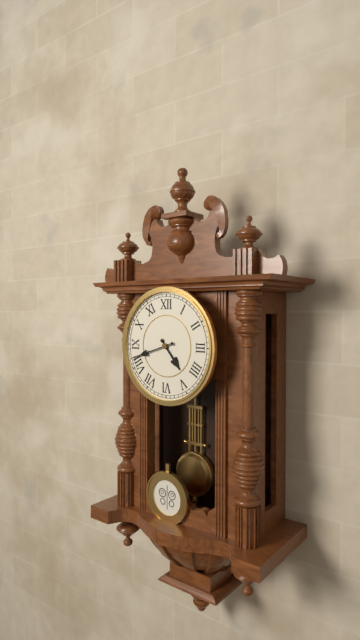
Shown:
4 h 42 min
